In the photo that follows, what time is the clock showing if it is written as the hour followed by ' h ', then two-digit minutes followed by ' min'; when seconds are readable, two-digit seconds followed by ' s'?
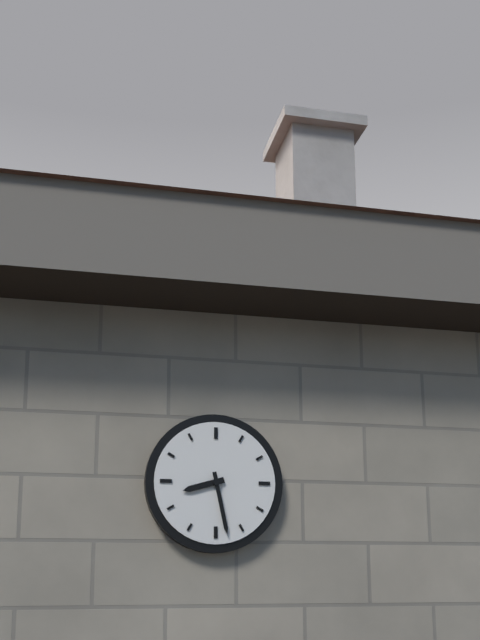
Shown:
8 h 28 min
